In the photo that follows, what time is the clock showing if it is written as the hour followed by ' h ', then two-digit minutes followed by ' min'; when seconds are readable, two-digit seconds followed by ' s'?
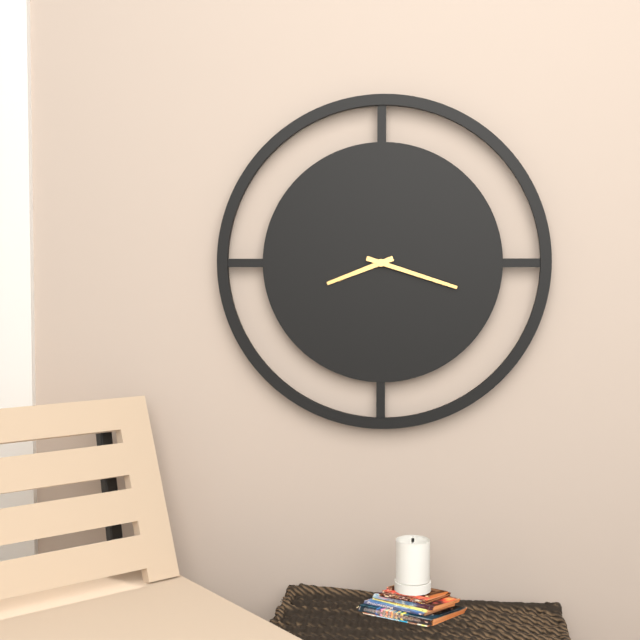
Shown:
8 h 18 min
